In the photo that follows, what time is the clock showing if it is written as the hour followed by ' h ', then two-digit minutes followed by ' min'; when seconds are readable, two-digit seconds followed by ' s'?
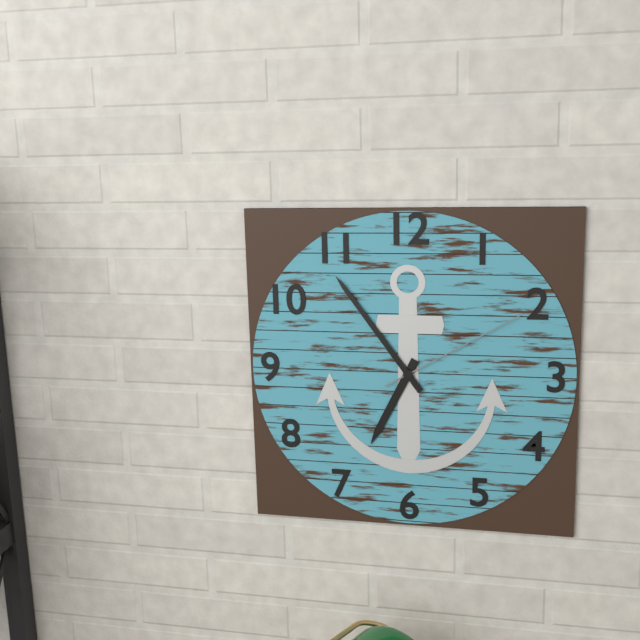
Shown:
6 h 54 min 10 s
